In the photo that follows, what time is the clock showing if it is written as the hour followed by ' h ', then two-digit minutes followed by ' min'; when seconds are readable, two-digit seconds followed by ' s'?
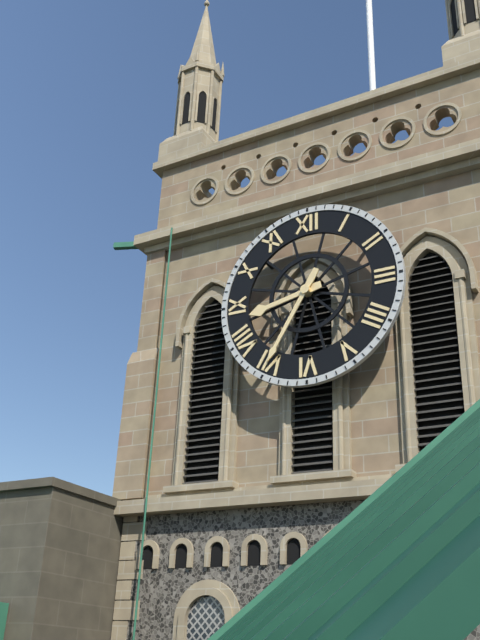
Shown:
8 h 35 min
